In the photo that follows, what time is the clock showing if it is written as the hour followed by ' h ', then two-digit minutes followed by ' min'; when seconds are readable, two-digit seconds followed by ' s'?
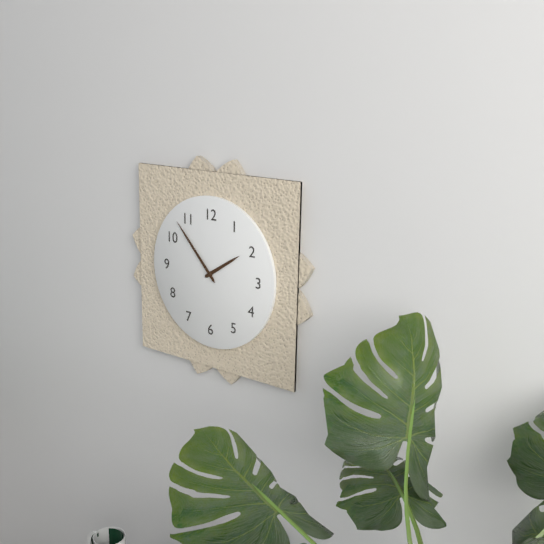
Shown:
1 h 53 min
